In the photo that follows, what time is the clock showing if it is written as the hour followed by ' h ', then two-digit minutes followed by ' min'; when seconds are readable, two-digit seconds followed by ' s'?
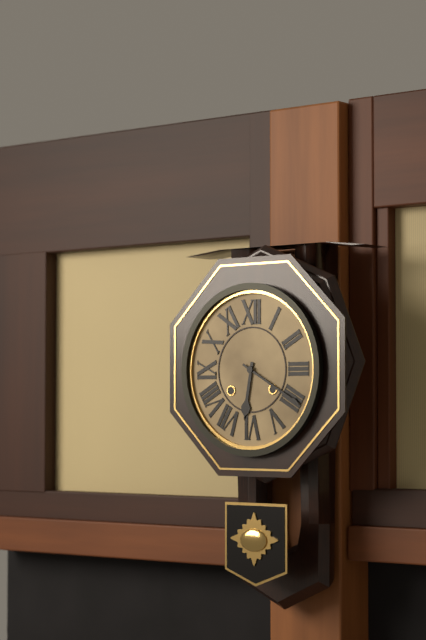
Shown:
6 h 20 min
